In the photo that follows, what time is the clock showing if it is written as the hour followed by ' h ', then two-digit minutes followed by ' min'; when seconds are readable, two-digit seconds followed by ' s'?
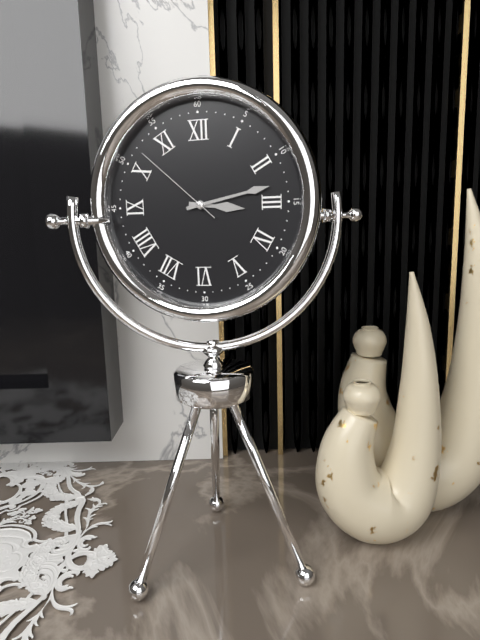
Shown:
3 h 13 min 52 s
